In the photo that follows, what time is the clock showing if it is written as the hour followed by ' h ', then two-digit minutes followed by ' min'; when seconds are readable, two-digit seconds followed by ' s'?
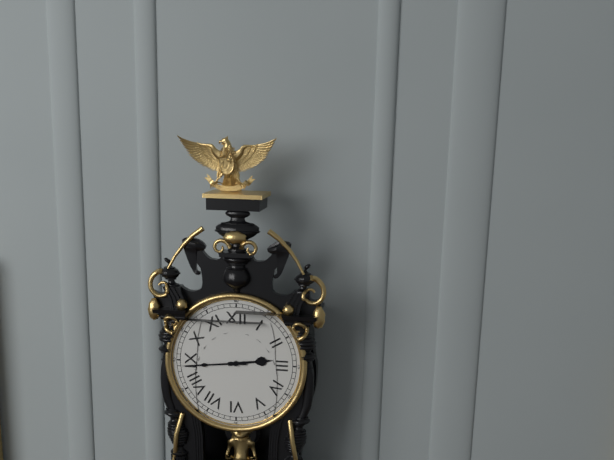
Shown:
2 h 44 min
